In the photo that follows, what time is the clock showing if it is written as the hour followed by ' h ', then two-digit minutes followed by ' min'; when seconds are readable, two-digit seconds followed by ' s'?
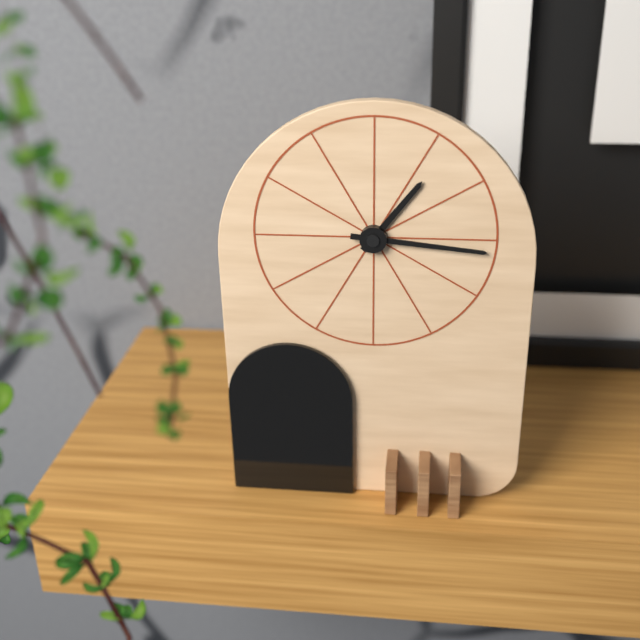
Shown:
1 h 16 min
